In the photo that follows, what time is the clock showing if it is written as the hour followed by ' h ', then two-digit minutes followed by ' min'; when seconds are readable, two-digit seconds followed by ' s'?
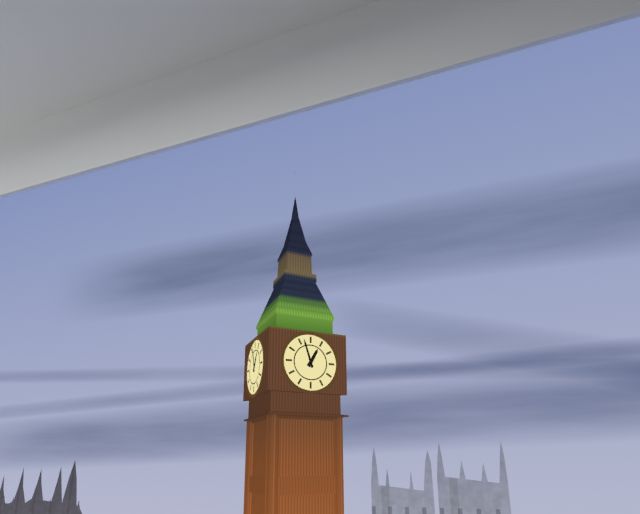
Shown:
12 h 57 min
